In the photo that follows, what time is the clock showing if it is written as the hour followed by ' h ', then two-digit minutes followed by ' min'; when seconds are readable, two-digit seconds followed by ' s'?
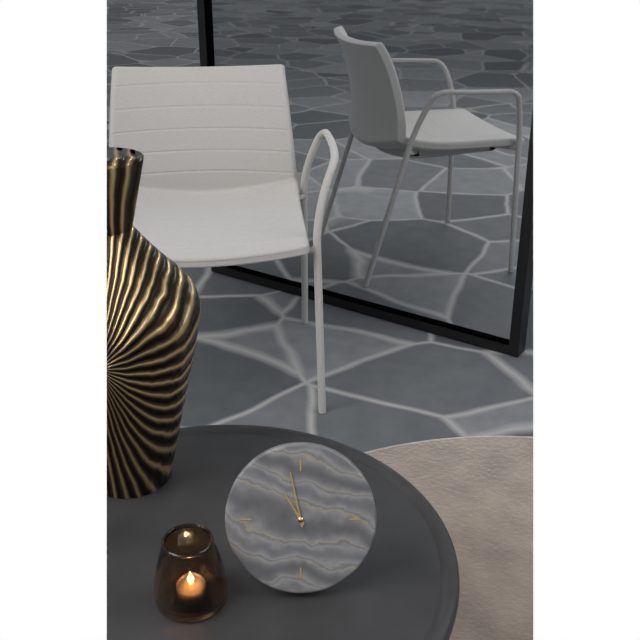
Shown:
10 h 58 min
